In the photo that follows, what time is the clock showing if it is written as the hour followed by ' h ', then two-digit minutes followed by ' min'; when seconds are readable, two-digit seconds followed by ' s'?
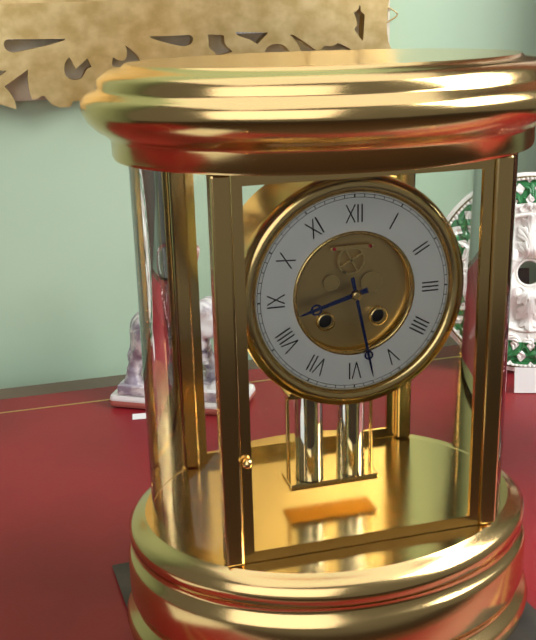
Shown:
8 h 28 min
